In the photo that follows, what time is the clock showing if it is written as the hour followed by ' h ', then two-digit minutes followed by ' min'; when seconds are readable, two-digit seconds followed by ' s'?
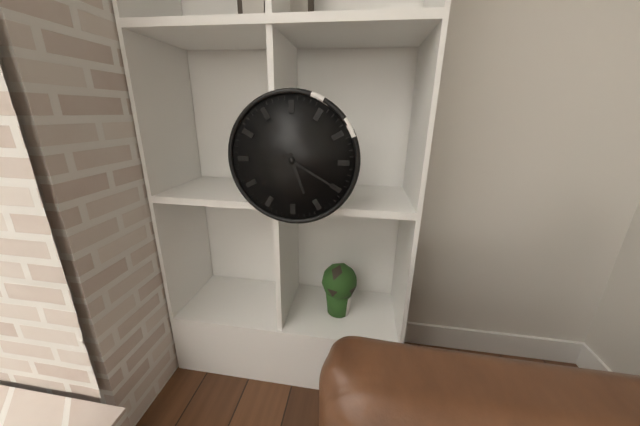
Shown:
5 h 20 min
